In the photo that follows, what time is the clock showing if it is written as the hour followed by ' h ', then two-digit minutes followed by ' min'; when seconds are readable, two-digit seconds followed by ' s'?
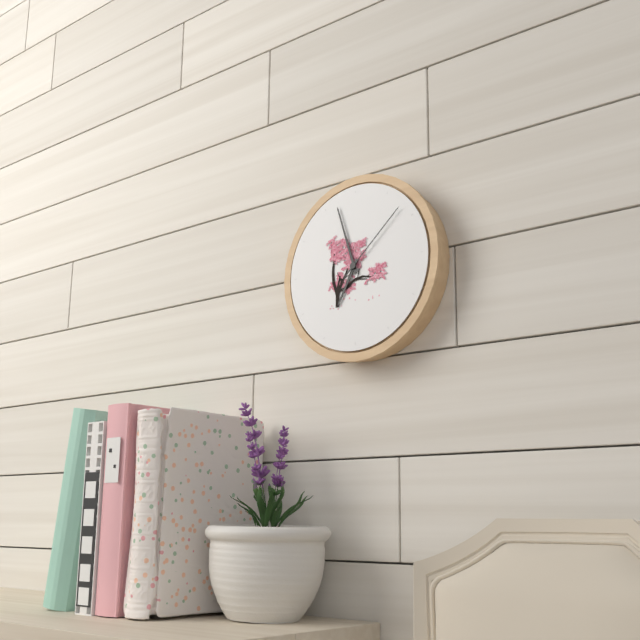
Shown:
6 h 57 min 08 s
